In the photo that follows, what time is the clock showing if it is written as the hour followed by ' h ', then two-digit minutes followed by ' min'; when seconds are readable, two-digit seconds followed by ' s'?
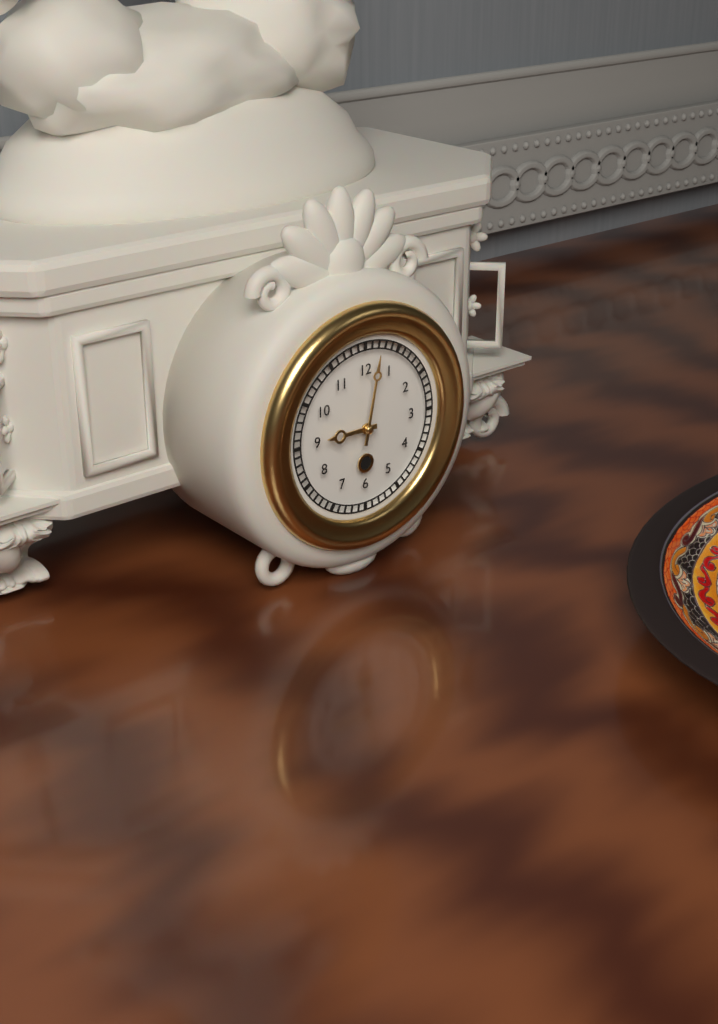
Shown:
9 h 02 min
